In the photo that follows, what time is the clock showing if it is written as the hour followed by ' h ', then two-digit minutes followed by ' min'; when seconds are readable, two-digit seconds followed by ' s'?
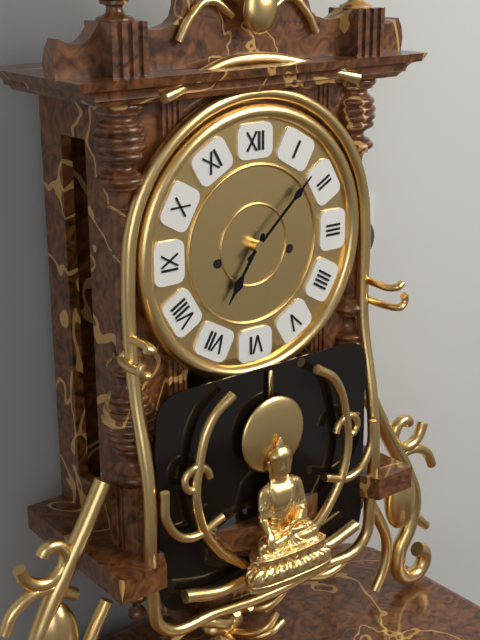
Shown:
7 h 08 min
